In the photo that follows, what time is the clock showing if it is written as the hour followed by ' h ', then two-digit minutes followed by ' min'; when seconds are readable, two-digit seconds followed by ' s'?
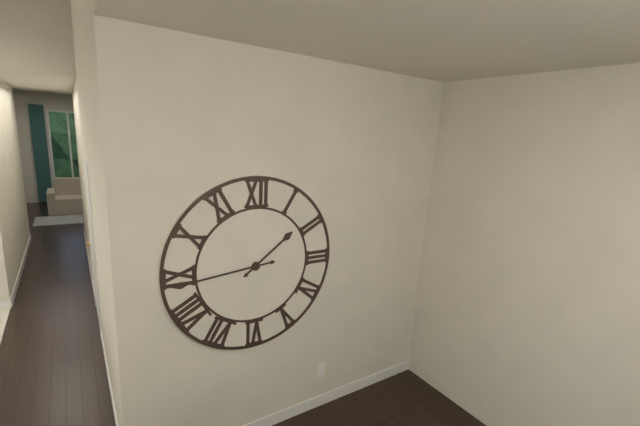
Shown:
1 h 44 min
